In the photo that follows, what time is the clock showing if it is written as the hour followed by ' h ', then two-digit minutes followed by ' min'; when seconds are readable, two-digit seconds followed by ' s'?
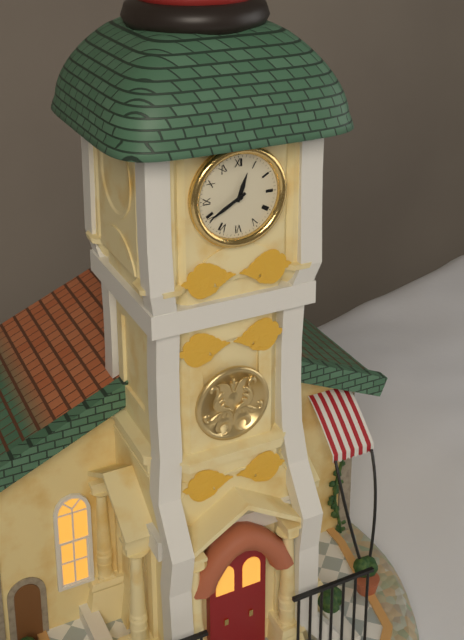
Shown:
12 h 40 min
